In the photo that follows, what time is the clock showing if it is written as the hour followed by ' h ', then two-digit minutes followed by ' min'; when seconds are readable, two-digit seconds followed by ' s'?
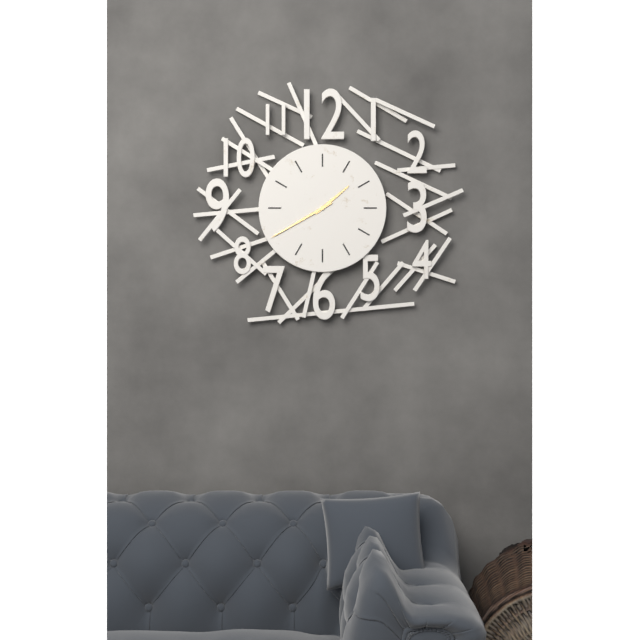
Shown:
1 h 40 min
